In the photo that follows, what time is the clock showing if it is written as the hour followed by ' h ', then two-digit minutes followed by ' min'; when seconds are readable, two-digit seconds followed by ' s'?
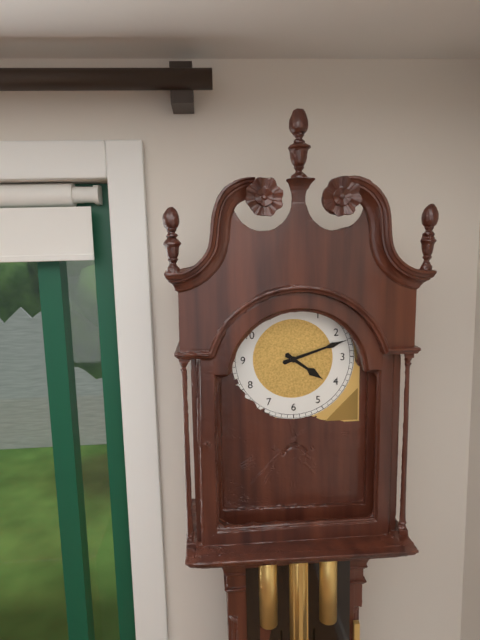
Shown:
4 h 12 min
